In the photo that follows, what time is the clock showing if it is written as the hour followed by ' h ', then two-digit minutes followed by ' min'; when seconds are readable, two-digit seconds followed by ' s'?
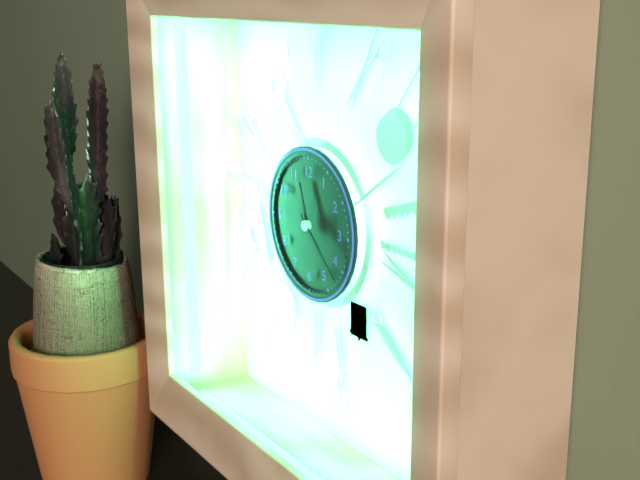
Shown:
11 h 22 min
